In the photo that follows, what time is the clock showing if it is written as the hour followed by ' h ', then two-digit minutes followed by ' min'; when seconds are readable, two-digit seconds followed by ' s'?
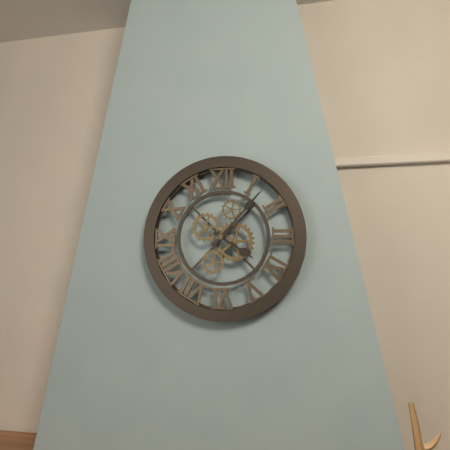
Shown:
4 h 07 min
